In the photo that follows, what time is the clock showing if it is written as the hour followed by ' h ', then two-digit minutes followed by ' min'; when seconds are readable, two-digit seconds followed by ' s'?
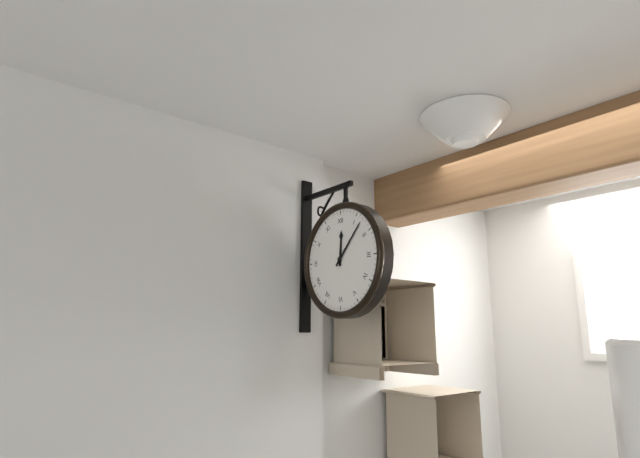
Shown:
12 h 07 min
